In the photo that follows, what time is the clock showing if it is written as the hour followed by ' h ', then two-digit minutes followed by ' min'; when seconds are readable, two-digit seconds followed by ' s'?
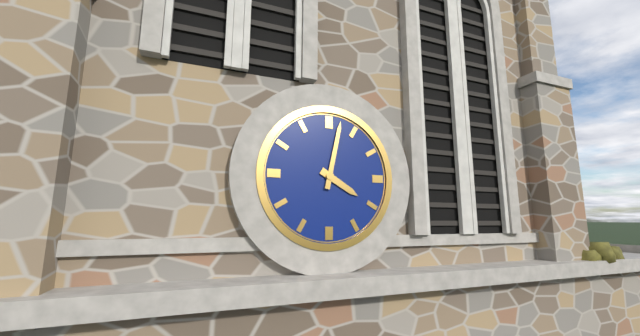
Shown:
4 h 02 min
